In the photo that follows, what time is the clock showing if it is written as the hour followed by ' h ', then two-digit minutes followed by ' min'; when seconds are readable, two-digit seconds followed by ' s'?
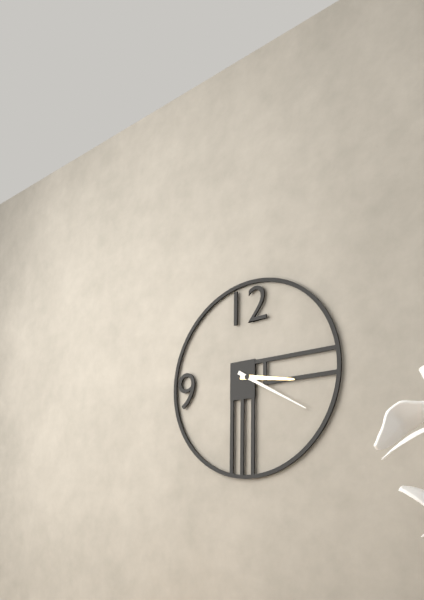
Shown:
3 h 20 min
